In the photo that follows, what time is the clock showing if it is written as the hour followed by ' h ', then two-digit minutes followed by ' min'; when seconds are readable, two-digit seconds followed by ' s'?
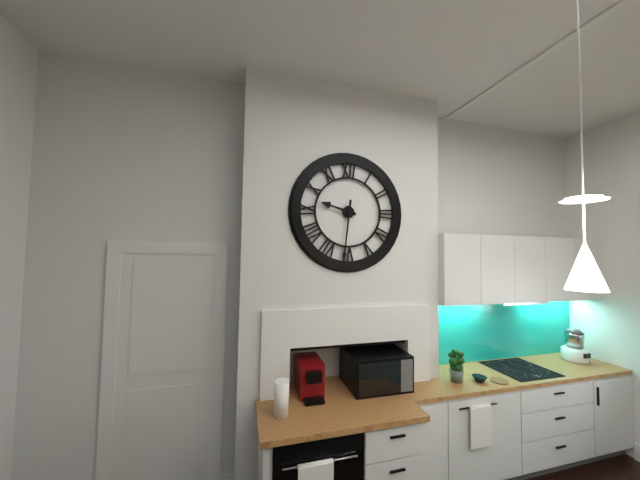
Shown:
9 h 31 min
